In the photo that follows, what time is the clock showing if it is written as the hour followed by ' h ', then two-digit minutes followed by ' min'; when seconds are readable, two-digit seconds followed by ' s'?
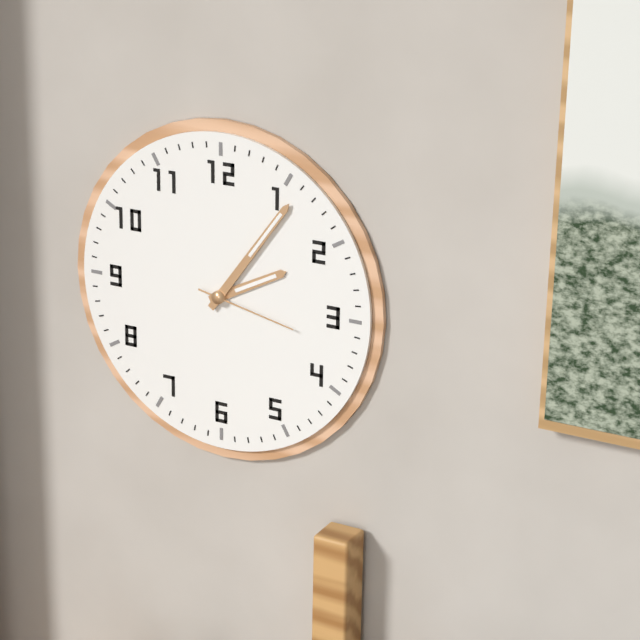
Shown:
2 h 06 min 17 s
